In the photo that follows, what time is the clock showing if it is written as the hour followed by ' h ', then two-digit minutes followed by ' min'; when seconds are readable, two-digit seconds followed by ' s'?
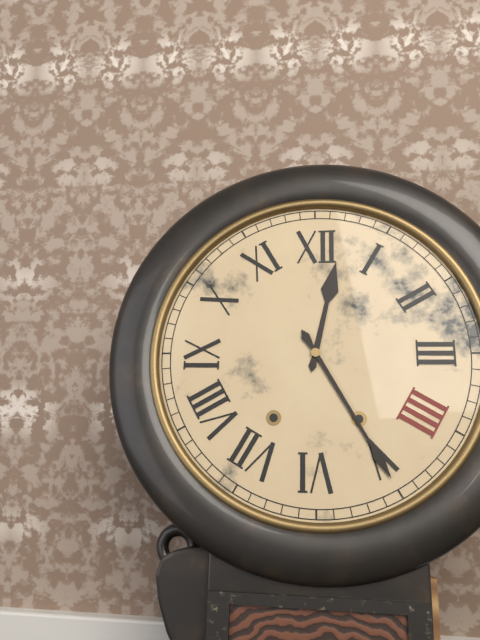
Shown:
12 h 25 min
